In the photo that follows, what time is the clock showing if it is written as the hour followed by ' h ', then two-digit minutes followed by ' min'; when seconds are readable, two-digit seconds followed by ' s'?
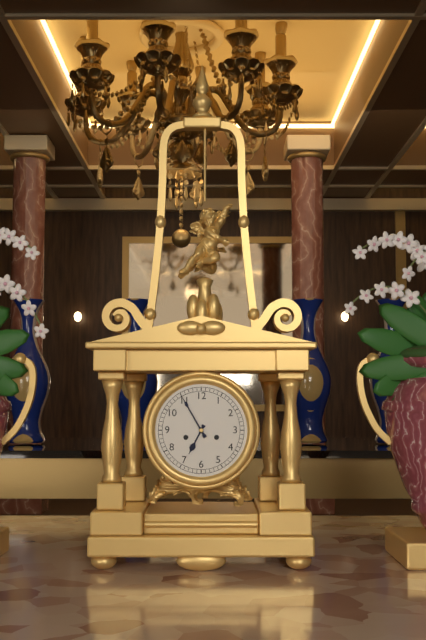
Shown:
6 h 55 min
